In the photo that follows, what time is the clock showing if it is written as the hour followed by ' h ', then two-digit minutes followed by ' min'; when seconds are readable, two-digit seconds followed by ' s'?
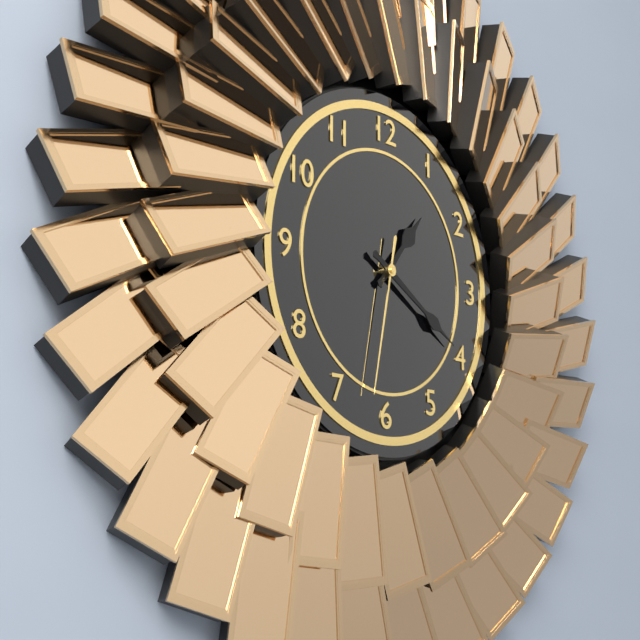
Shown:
1 h 20 min 32 s
